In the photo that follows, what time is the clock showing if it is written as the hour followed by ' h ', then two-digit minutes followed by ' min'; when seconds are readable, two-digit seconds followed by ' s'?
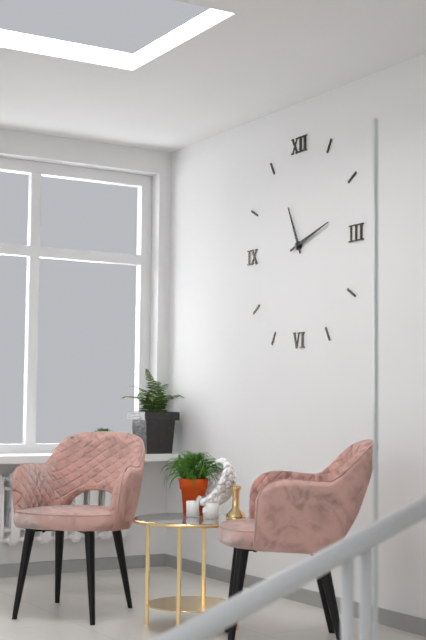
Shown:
11 h 12 min
